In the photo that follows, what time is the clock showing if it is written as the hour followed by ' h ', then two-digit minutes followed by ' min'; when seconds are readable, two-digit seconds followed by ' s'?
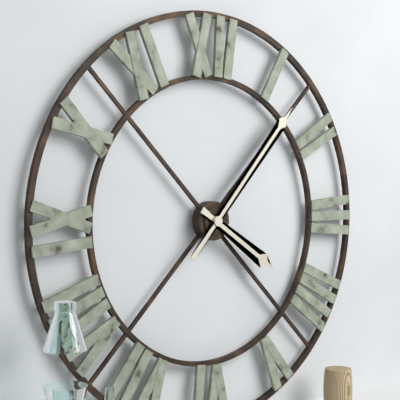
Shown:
4 h 07 min
